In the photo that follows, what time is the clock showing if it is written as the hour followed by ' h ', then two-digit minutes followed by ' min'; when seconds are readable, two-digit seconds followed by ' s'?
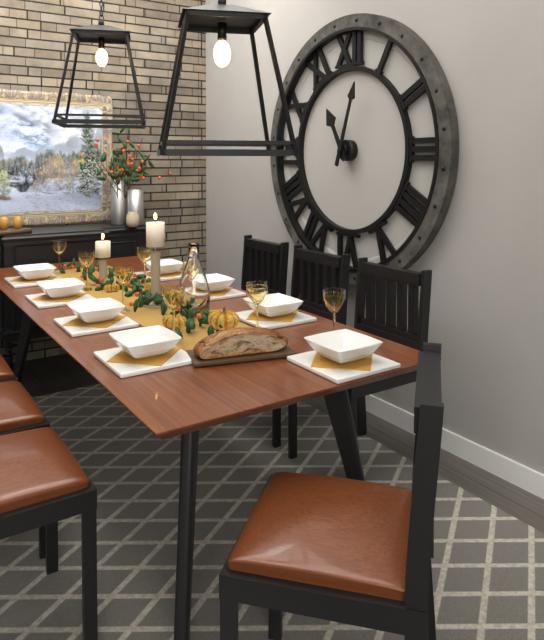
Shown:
11 h 03 min
